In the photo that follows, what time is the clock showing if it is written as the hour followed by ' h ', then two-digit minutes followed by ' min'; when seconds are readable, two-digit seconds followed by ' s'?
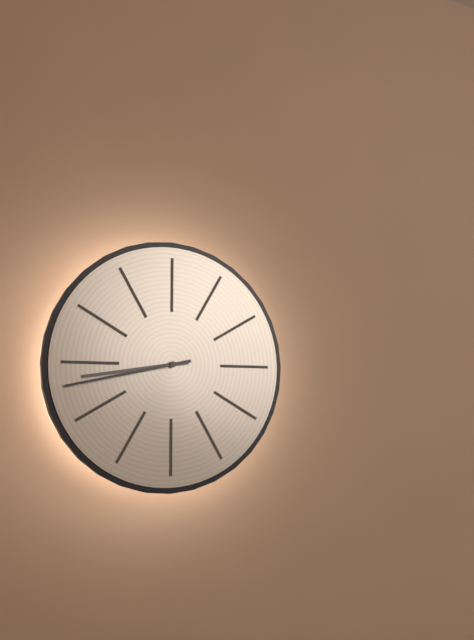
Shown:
8 h 43 min
